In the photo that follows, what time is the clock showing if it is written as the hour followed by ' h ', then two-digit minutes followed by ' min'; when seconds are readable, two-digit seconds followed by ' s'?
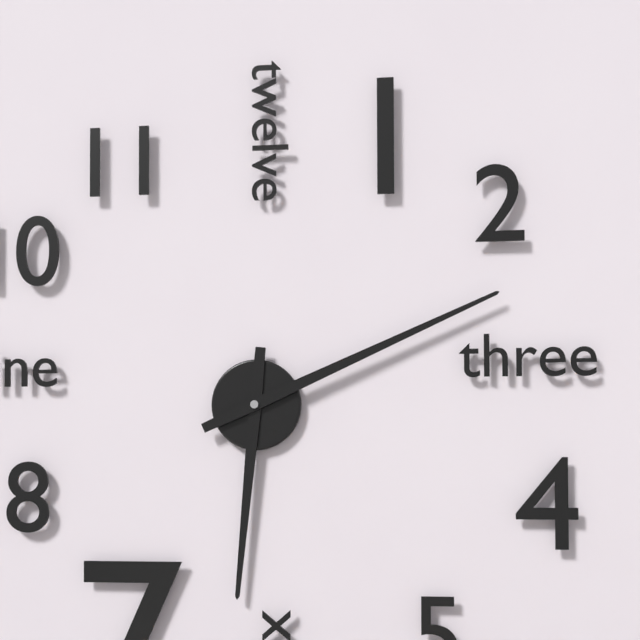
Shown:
6 h 11 min
